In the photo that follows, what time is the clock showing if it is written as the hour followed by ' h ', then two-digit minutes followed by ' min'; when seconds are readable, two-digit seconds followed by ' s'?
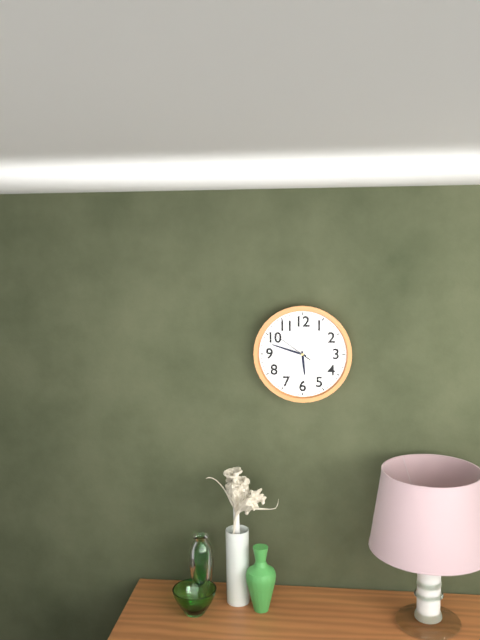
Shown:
5 h 48 min
